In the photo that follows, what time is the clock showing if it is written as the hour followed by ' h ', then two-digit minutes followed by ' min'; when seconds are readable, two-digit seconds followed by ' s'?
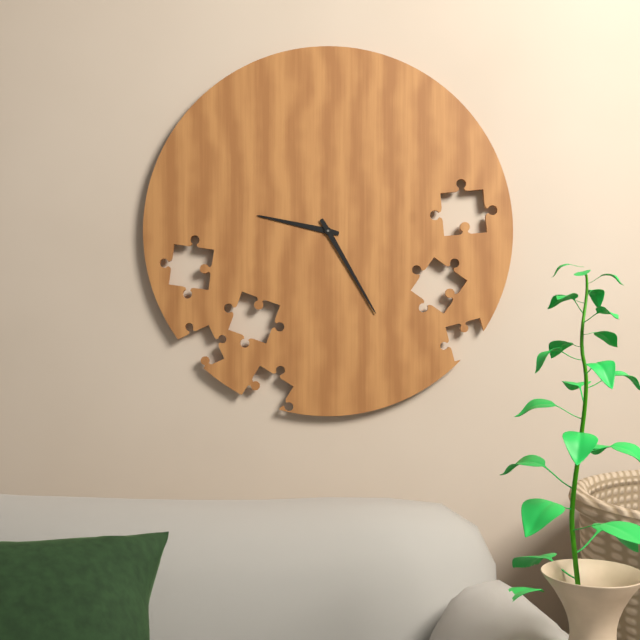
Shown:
9 h 25 min
